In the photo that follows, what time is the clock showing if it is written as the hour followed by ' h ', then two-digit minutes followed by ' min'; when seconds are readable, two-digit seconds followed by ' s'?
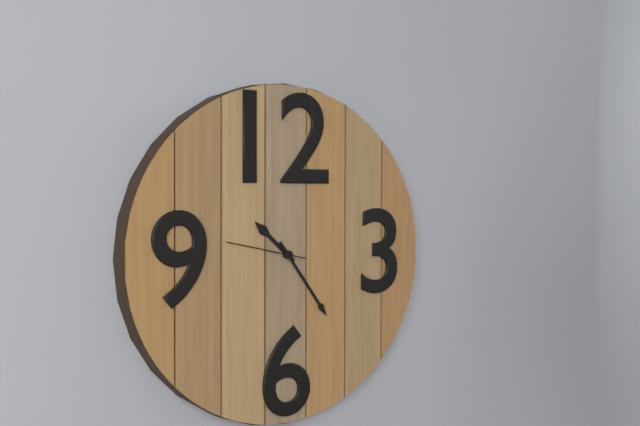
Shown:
10 h 24 min 47 s
